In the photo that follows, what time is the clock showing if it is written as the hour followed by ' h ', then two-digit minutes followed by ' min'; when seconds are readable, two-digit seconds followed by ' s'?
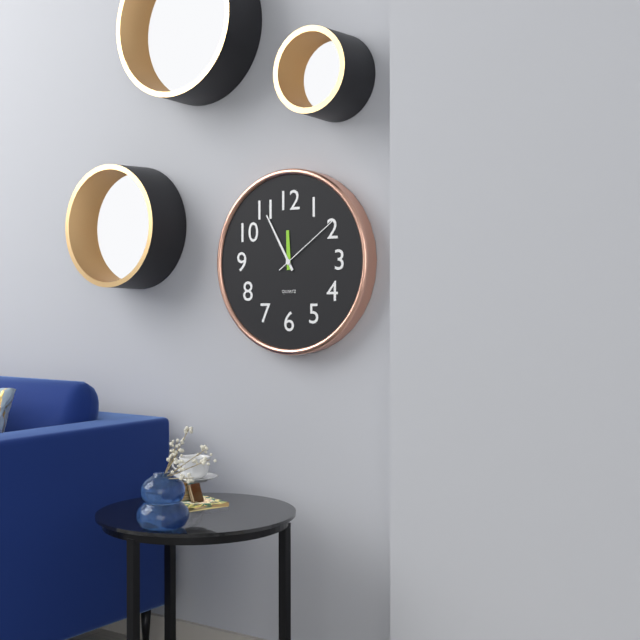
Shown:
11 h 55 min 09 s
